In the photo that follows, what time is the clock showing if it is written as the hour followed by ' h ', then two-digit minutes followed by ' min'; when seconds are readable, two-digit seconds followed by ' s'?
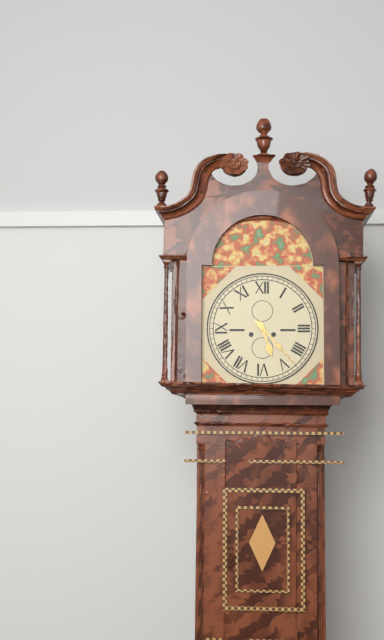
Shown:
5 h 23 min
